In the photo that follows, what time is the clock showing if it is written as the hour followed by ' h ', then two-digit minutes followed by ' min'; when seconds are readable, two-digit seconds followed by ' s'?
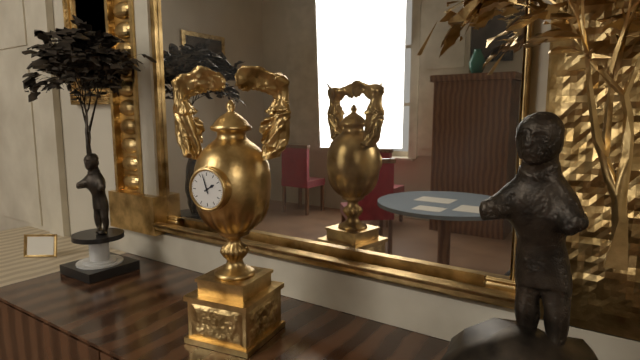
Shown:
1 h 57 min
